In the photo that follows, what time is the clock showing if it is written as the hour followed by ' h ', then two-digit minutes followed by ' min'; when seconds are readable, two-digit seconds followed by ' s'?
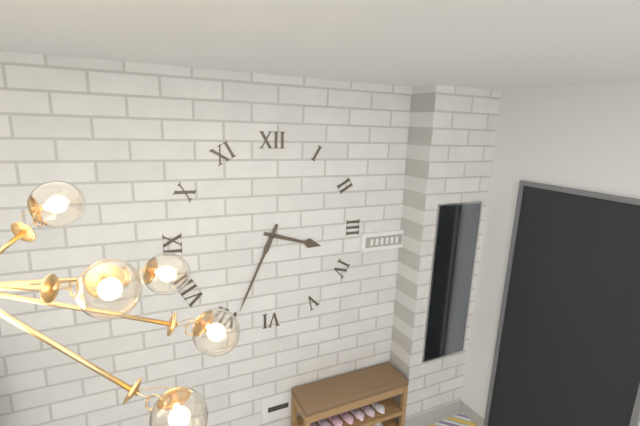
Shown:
3 h 34 min
